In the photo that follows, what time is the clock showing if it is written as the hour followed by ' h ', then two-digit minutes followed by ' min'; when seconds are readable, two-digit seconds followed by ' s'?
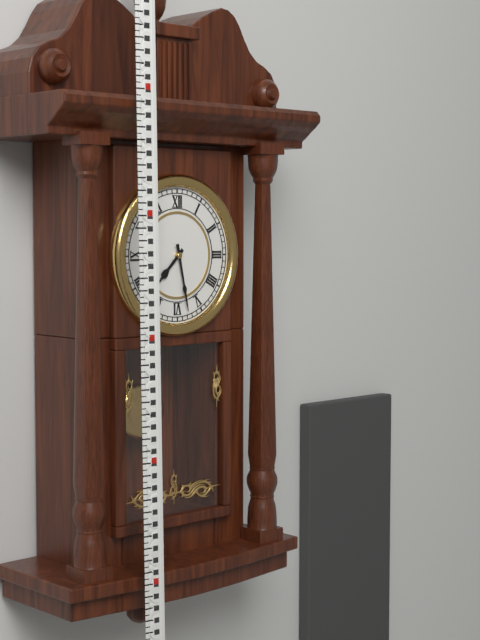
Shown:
7 h 28 min
